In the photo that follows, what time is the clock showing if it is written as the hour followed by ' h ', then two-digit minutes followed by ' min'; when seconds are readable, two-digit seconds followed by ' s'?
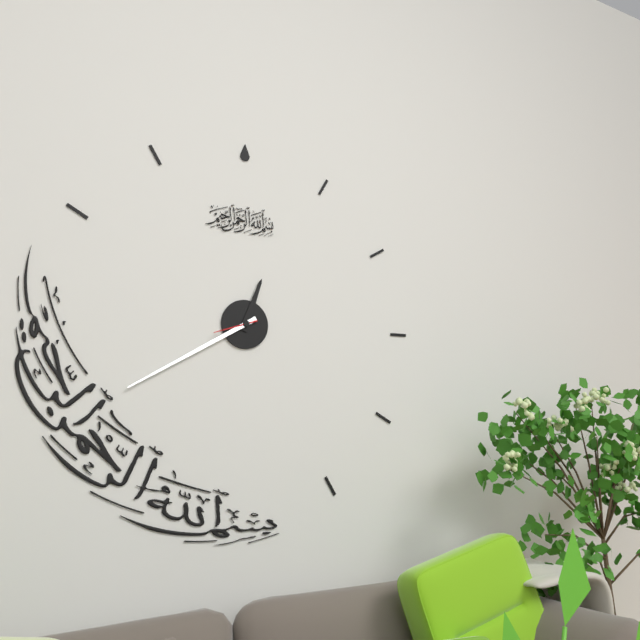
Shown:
12 h 40 min
